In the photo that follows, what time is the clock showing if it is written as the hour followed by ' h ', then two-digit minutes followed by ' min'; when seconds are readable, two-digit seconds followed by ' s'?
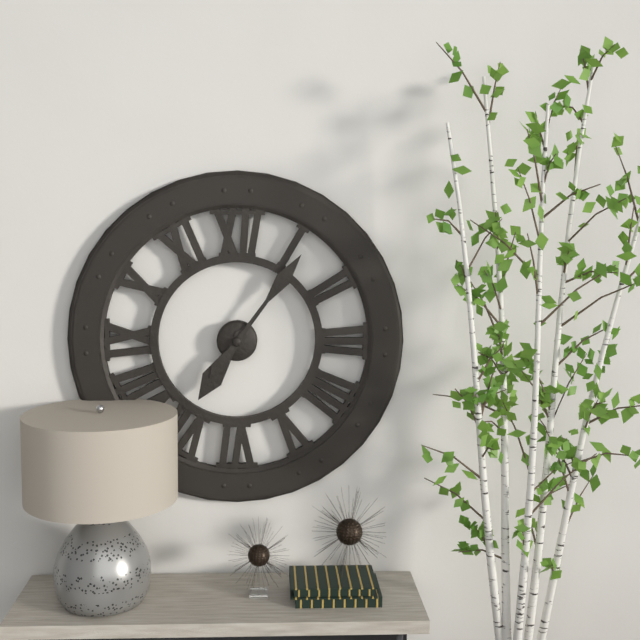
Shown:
7 h 06 min
